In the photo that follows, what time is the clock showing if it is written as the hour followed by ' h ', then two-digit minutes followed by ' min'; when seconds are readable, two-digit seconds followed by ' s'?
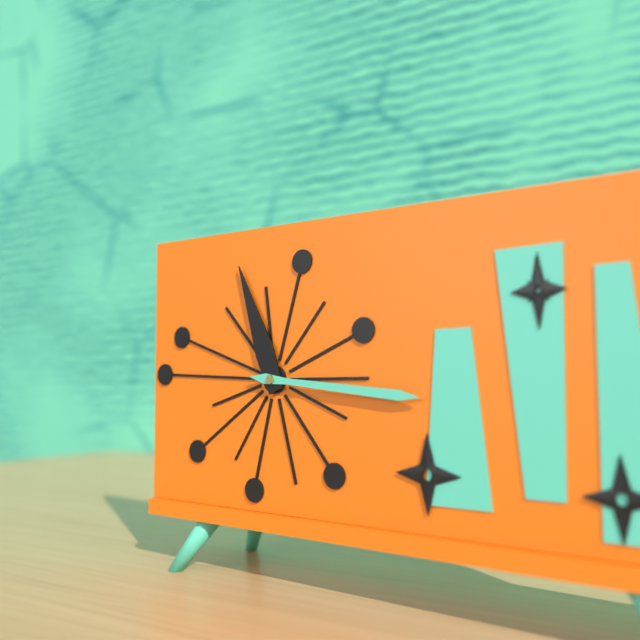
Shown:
11 h 16 min
